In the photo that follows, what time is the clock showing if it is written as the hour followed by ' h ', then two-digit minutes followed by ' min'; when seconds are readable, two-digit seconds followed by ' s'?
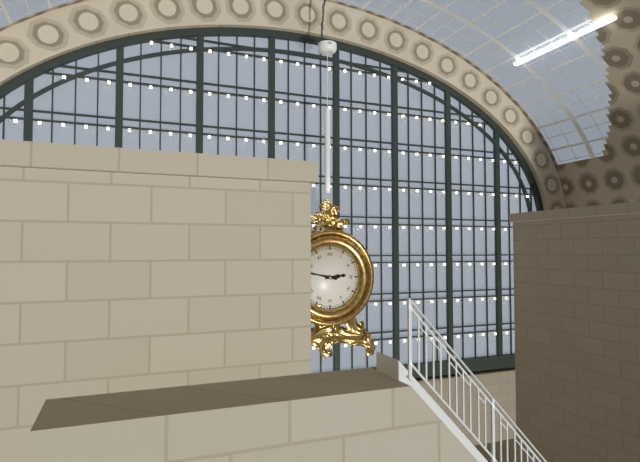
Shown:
2 h 47 min
